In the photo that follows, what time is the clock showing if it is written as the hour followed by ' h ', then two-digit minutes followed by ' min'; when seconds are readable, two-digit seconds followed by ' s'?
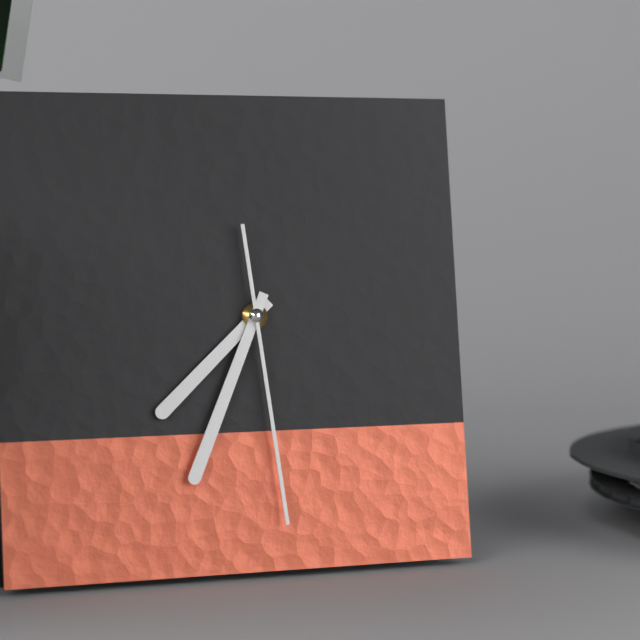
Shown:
7 h 34 min 29 s
